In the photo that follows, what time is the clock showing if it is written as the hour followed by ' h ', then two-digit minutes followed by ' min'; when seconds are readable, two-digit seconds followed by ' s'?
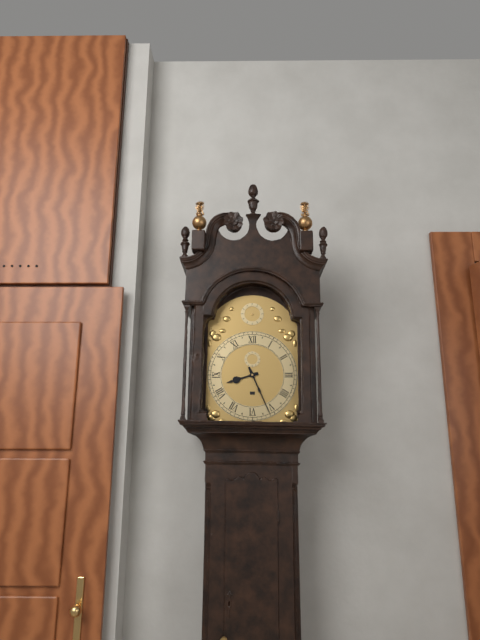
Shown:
8 h 26 min
